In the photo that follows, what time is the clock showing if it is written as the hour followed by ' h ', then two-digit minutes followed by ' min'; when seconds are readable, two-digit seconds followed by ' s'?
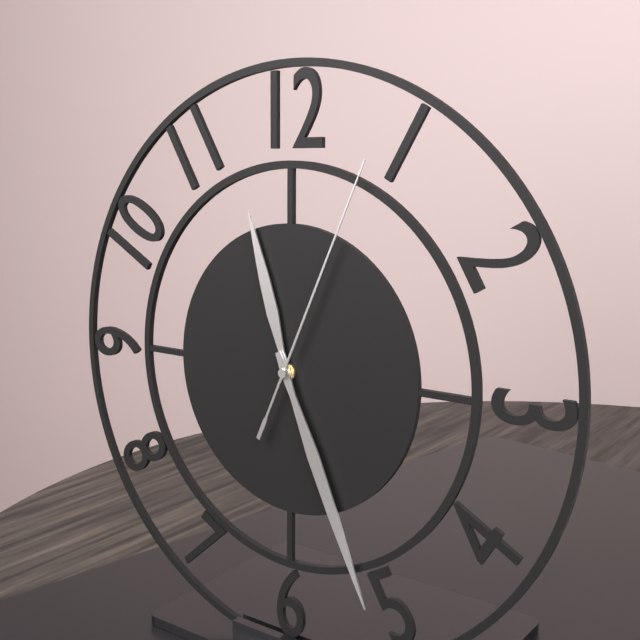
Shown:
11 h 26 min 04 s
